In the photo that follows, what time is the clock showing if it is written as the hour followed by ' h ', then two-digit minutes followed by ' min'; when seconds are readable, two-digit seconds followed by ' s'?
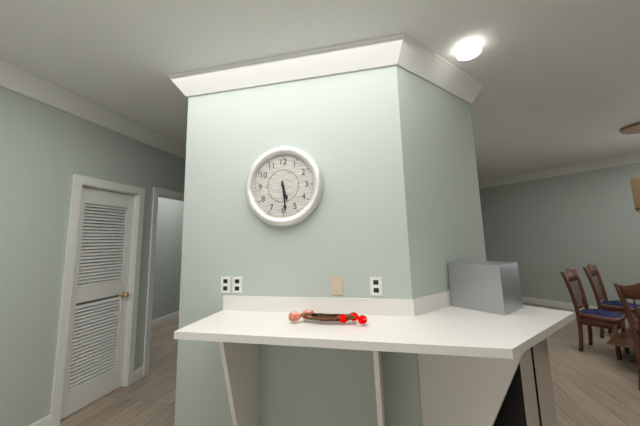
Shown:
5 h 29 min
